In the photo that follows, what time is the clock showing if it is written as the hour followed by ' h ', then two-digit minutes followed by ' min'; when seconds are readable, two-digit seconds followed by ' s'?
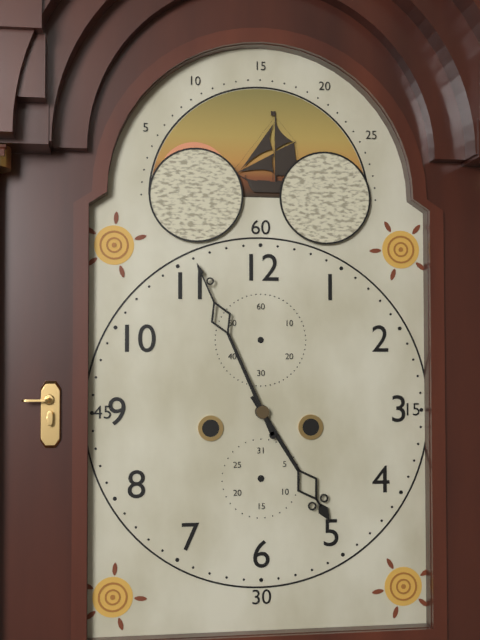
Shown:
4 h 56 min
